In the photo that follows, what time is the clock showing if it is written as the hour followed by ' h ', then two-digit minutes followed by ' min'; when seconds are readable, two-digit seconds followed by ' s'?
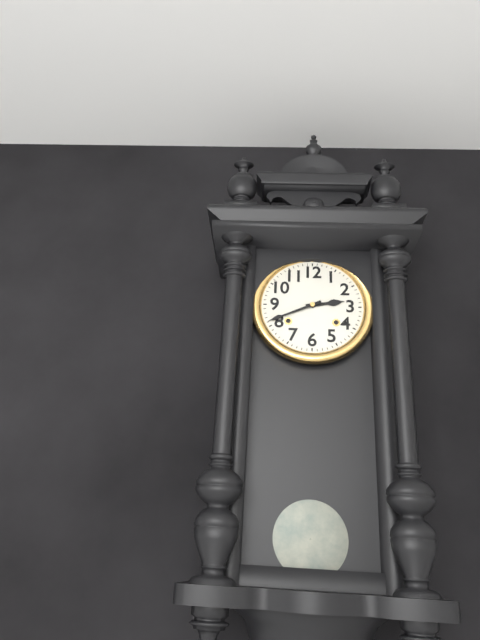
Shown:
2 h 41 min
